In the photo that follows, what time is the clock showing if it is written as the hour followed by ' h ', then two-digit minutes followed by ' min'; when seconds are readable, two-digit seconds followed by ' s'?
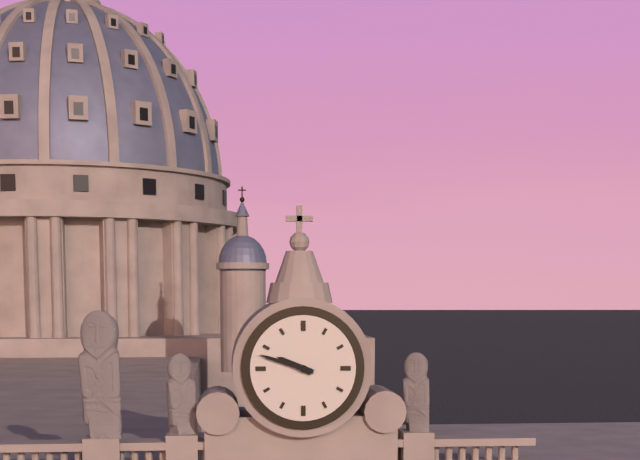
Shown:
9 h 48 min
